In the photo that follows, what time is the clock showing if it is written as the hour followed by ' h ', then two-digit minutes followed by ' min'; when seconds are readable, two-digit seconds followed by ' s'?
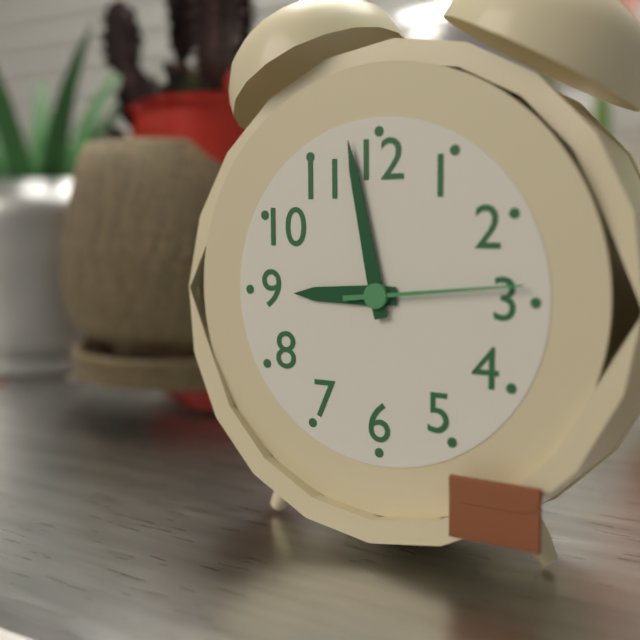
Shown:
8 h 58 min 14 s
